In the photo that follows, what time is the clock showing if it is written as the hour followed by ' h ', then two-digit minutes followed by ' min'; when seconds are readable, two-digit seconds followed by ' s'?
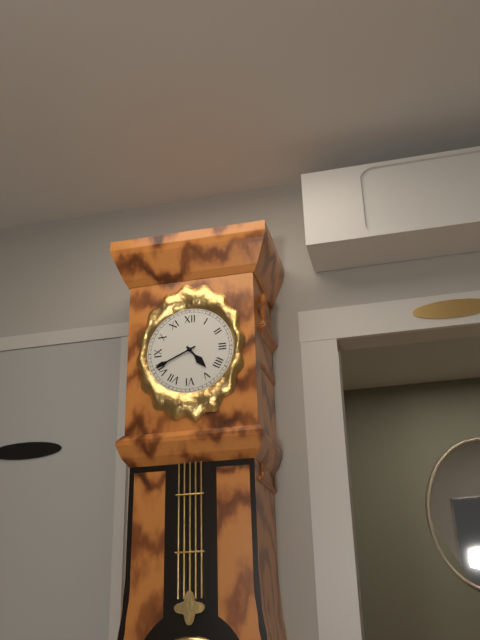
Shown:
4 h 41 min
